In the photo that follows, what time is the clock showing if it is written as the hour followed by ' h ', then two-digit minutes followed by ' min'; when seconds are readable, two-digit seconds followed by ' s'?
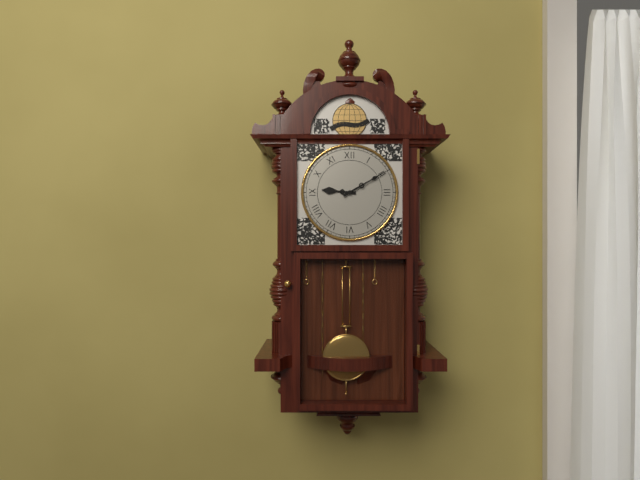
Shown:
9 h 10 min
